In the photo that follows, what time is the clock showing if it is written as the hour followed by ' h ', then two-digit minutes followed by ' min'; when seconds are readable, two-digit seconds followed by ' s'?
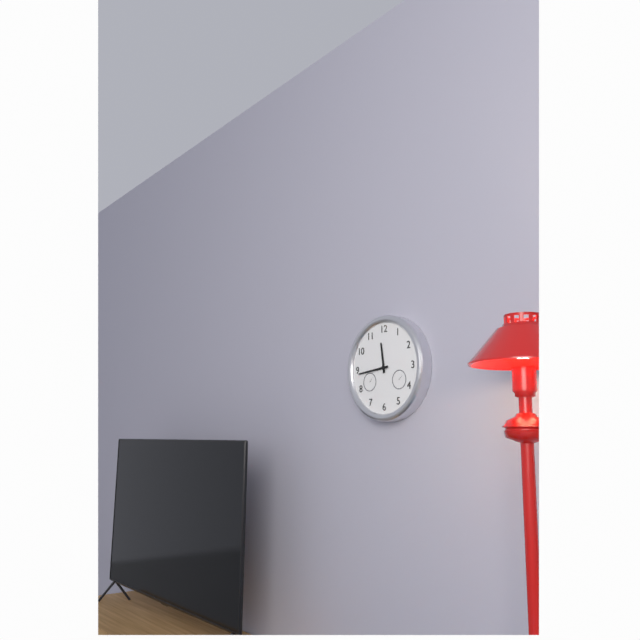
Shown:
11 h 44 min
